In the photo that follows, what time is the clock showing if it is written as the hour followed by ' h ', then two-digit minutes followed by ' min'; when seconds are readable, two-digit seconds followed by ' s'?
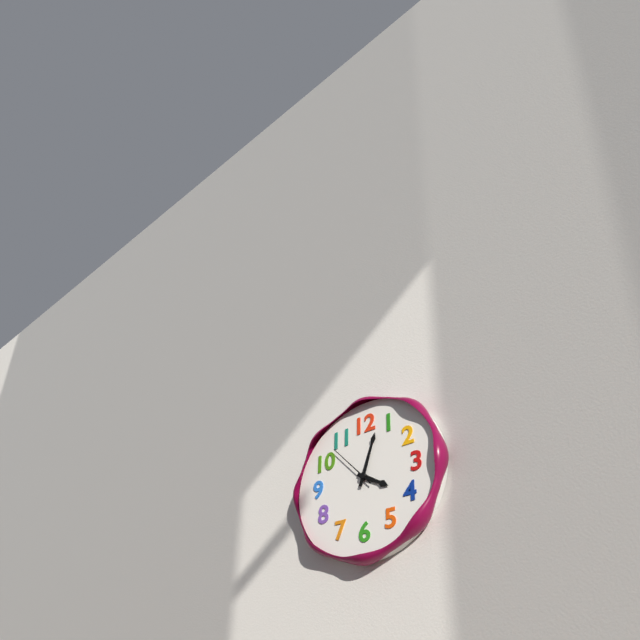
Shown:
4 h 03 min
